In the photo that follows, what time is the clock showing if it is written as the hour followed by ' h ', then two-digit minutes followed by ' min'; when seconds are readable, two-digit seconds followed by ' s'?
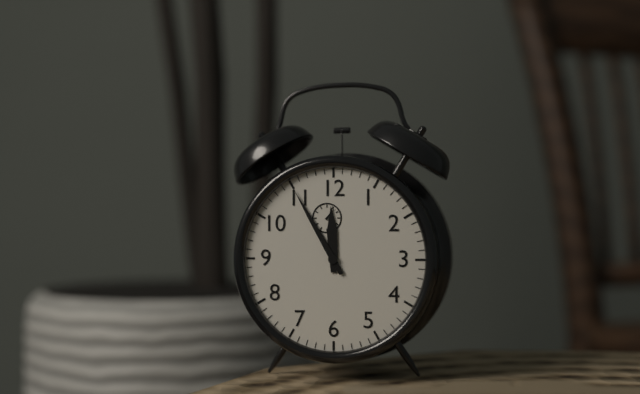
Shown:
11 h 55 min
